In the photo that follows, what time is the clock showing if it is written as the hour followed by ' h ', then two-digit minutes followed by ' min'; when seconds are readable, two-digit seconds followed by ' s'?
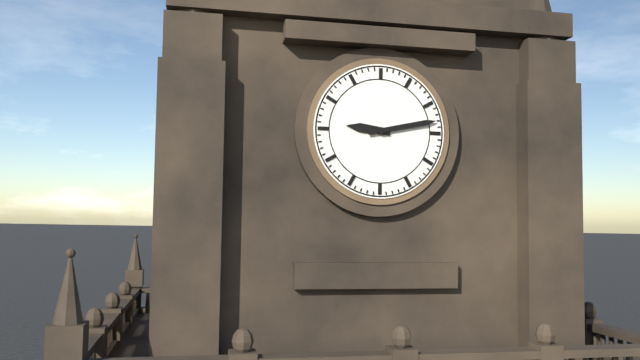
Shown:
9 h 13 min
